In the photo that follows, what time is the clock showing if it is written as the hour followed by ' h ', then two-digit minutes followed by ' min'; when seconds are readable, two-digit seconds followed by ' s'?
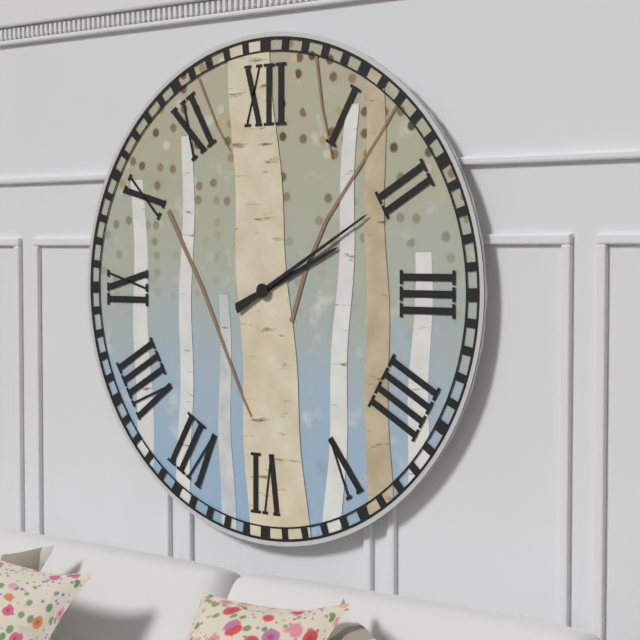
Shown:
2 h 10 min
